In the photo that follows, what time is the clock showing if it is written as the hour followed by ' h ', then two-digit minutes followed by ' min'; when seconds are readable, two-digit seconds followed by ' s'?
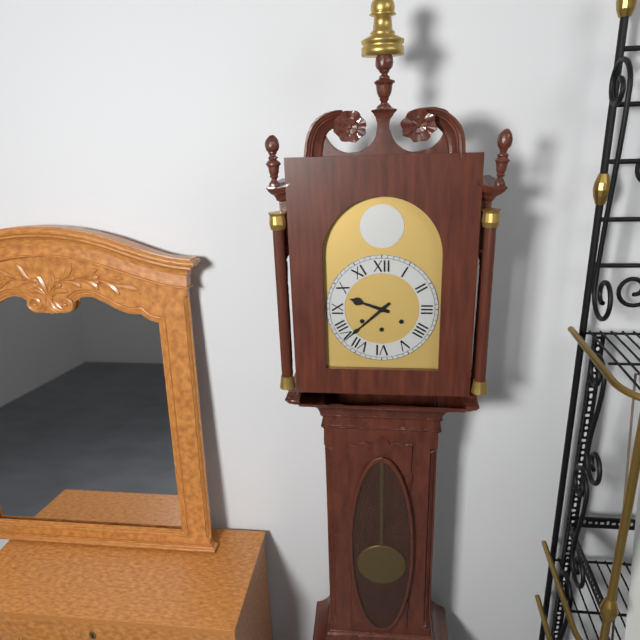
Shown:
9 h 38 min
